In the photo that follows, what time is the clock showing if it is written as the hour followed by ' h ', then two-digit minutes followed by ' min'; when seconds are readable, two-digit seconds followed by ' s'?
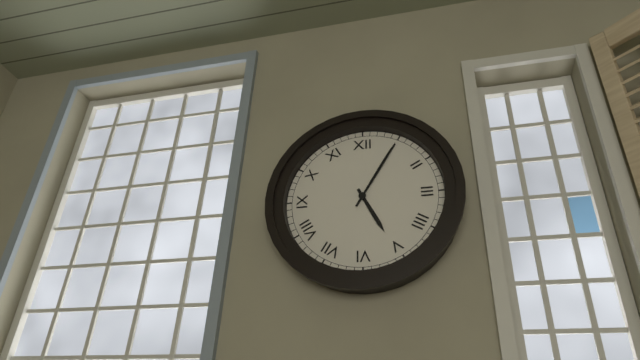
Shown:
5 h 05 min
